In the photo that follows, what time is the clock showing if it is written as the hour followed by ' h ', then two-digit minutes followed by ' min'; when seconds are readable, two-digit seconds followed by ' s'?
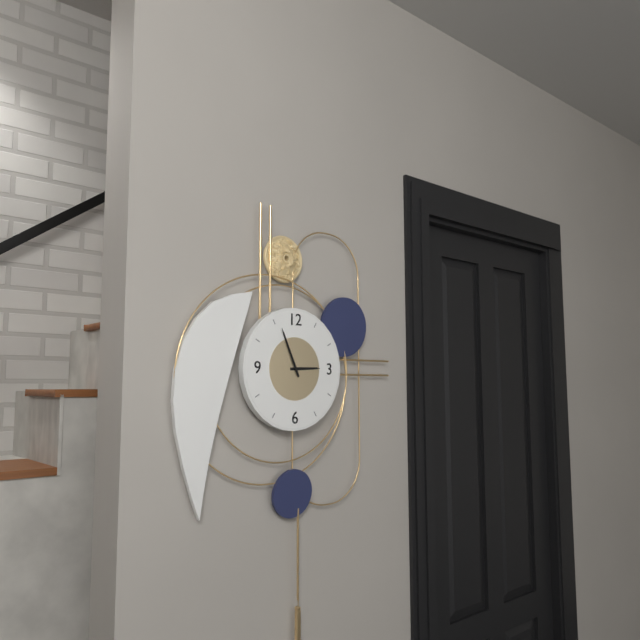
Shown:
2 h 56 min
